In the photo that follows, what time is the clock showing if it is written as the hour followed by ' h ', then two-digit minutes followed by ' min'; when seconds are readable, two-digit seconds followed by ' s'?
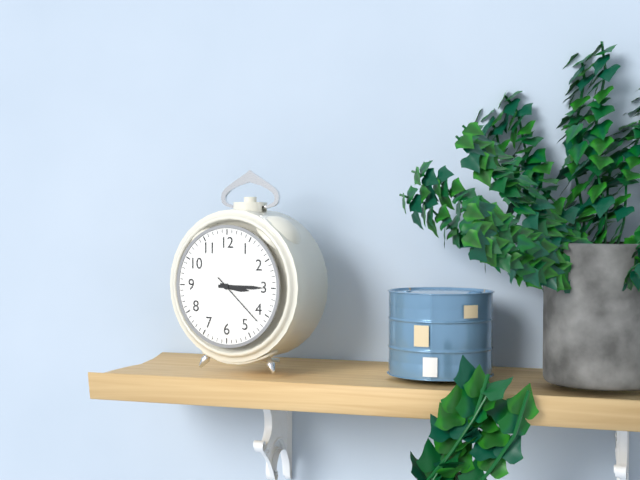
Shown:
3 h 15 min 22 s
